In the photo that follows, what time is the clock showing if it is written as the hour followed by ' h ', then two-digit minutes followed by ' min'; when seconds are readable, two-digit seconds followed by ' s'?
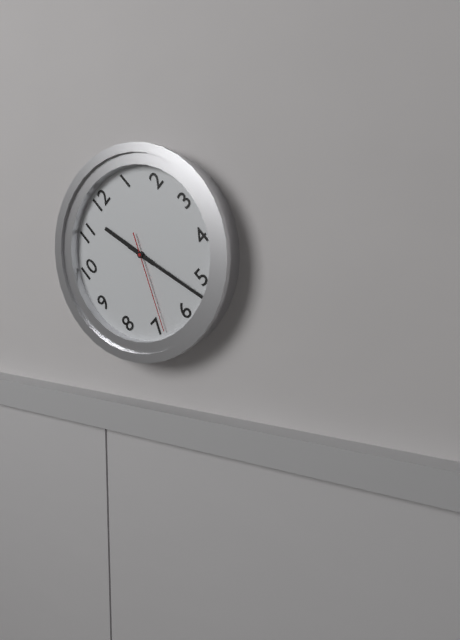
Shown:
11 h 27 min 34 s
